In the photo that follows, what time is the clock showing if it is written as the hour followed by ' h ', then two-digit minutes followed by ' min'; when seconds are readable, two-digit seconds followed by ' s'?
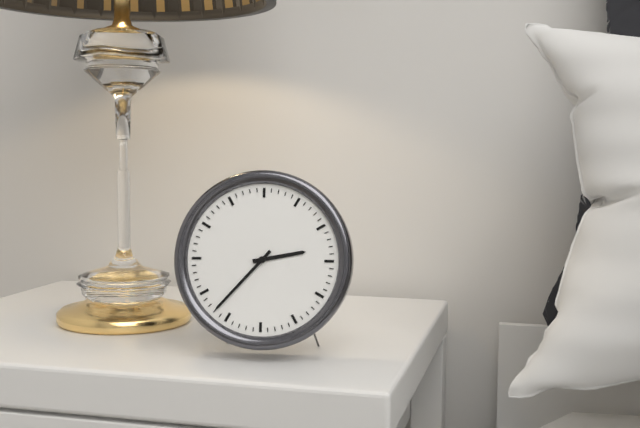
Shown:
2 h 37 min
